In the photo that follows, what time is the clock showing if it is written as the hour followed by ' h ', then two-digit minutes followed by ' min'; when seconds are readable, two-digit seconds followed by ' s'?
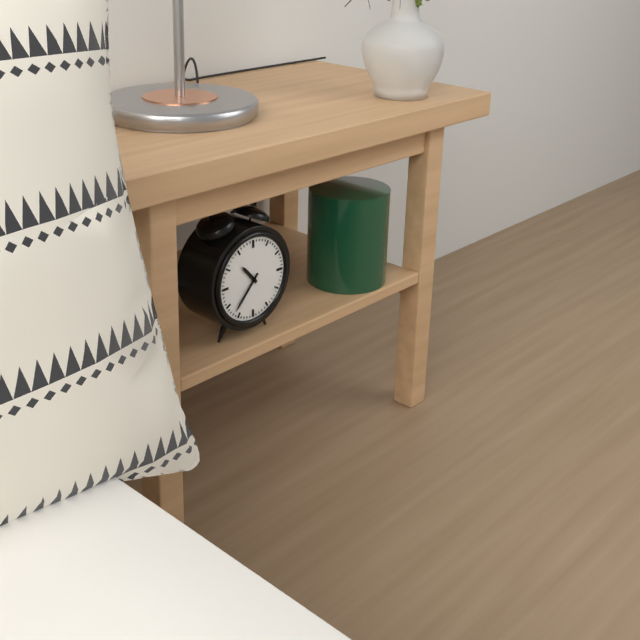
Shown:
10 h 37 min
